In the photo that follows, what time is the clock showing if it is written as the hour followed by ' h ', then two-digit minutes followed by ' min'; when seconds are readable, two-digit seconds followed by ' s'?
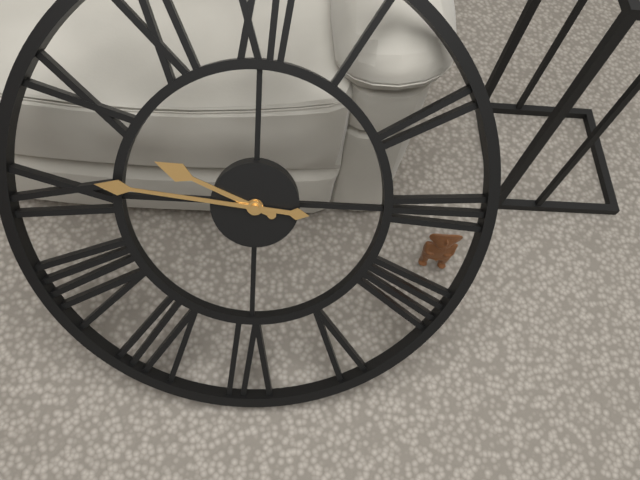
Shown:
9 h 46 min
